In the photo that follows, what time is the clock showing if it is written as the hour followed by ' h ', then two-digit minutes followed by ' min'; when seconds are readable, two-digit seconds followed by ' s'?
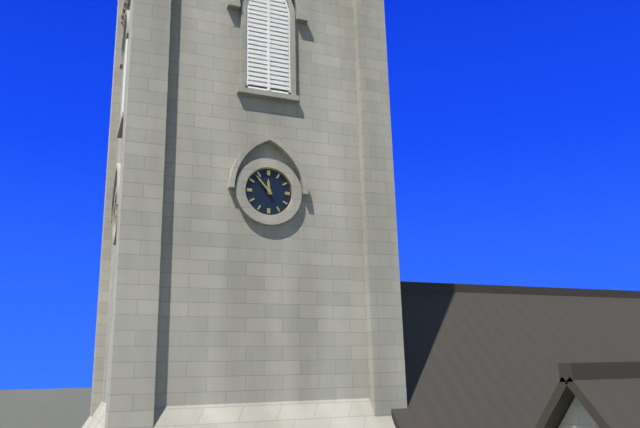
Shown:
11 h 53 min
